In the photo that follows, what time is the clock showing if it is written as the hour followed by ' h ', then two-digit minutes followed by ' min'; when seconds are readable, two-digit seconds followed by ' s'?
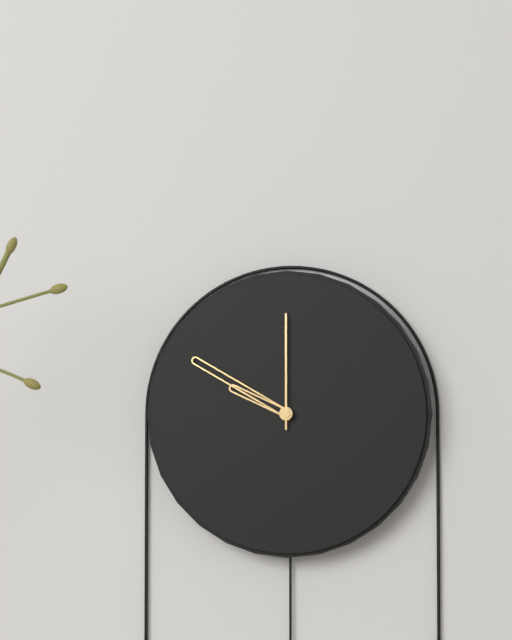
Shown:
9 h 50 min 00 s
